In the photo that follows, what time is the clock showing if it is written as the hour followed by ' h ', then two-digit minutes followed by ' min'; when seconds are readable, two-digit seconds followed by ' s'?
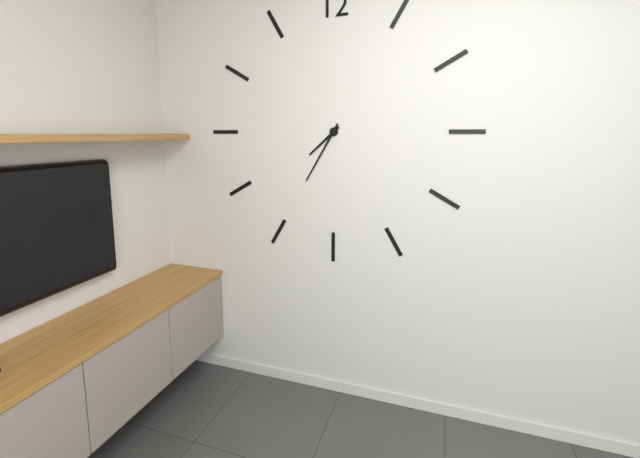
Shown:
7 h 35 min
